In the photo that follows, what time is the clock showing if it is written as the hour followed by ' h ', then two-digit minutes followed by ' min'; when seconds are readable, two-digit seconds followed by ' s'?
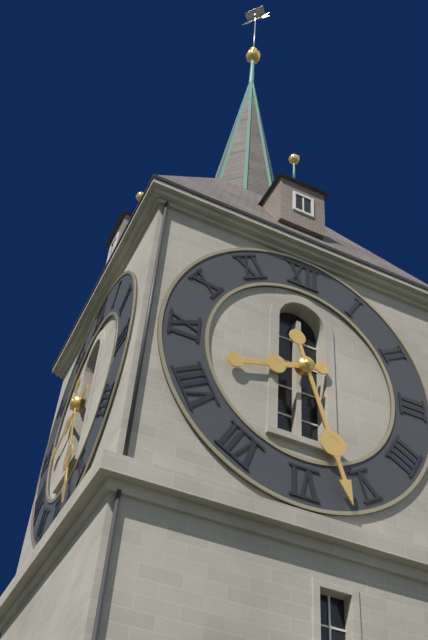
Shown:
8 h 27 min
